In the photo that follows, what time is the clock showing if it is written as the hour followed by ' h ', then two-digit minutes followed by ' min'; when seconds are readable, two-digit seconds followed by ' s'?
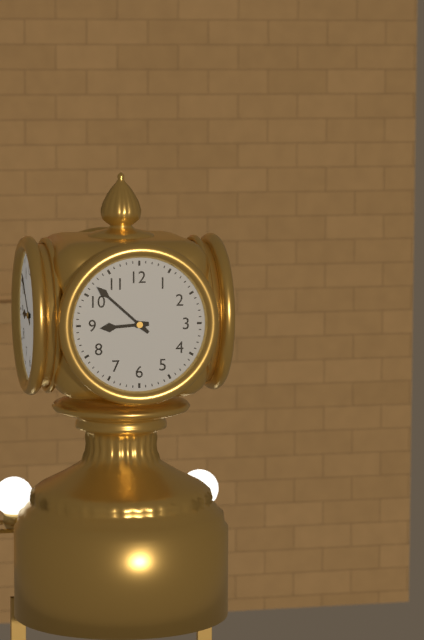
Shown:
8 h 52 min
